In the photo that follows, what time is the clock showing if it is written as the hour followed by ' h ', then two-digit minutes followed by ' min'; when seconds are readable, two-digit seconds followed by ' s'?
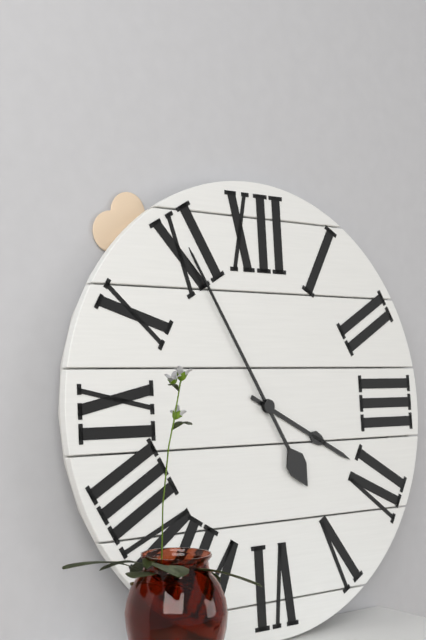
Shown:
3 h 55 min
